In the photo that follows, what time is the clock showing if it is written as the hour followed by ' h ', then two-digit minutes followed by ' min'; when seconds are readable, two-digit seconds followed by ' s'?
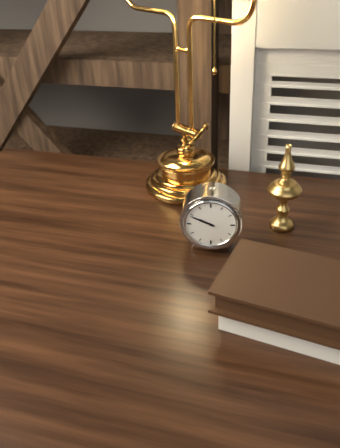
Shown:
9 h 49 min
